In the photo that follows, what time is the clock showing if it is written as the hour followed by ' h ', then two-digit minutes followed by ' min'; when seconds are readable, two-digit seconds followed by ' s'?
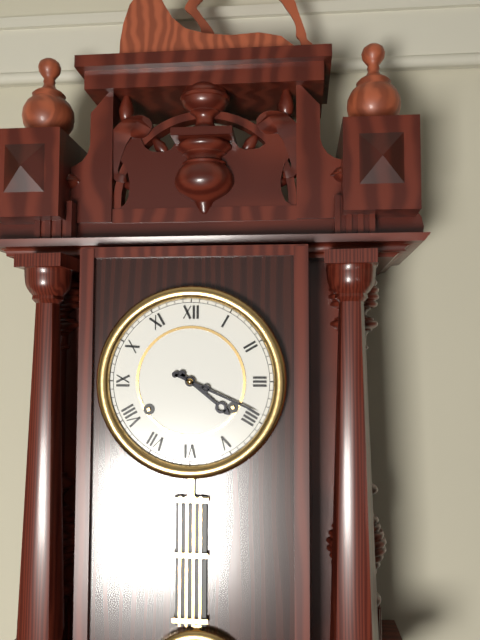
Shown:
4 h 19 min
